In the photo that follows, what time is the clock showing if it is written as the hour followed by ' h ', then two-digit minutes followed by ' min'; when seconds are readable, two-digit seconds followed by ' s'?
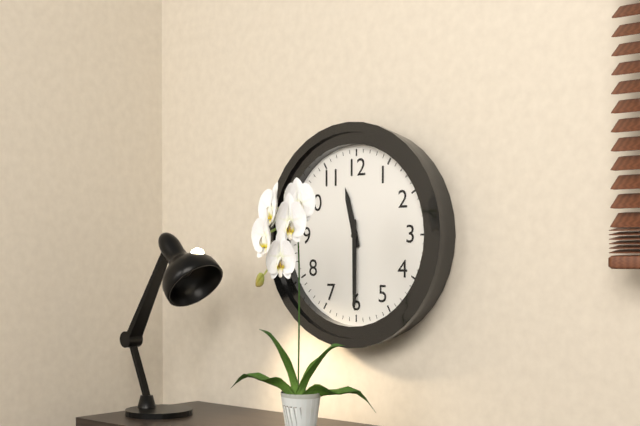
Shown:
11 h 30 min
